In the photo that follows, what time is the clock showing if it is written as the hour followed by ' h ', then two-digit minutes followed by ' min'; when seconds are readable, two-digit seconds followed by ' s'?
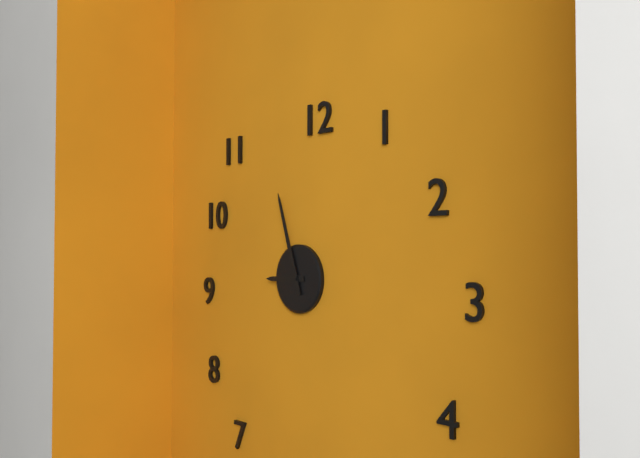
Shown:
8 h 57 min
